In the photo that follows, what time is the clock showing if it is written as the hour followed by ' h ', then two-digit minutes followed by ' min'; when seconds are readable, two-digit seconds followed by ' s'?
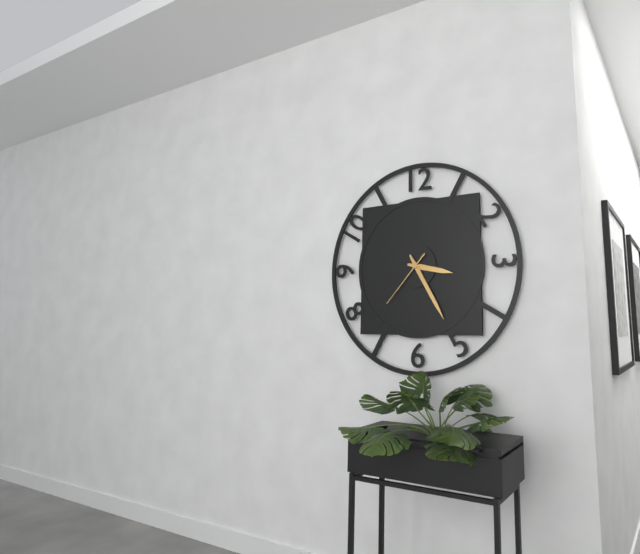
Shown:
3 h 25 min 37 s
